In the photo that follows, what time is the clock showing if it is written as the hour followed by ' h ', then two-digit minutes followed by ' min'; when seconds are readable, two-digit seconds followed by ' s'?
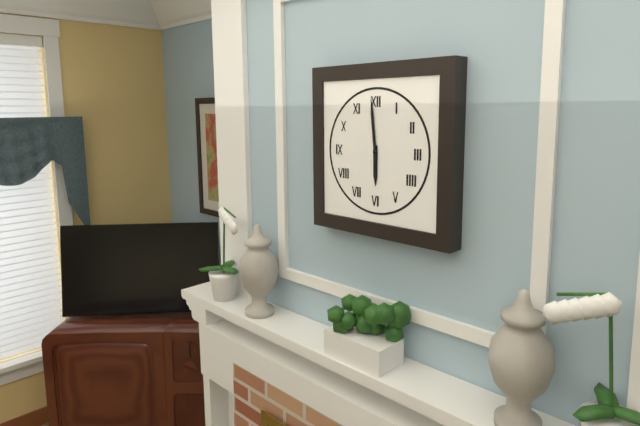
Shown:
5 h 59 min
